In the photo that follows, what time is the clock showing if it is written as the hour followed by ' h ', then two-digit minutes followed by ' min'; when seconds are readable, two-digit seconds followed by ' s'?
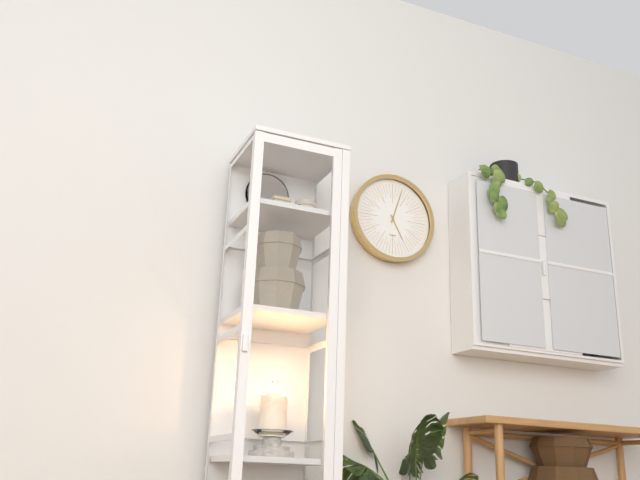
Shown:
5 h 03 min
